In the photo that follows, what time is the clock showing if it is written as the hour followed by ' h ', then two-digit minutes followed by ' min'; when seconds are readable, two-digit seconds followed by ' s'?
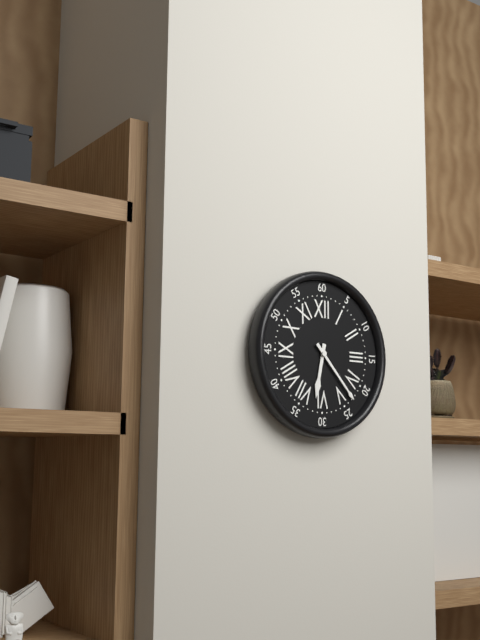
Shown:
6 h 23 min
